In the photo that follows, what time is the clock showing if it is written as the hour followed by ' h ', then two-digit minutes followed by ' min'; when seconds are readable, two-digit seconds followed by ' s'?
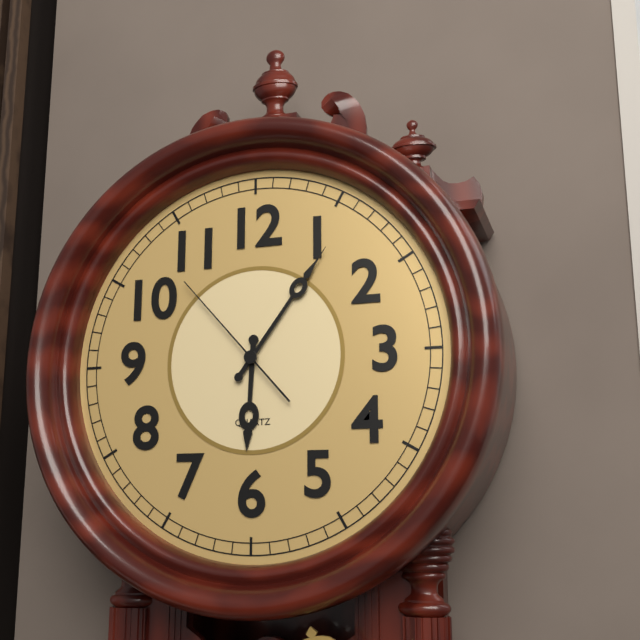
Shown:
6 h 06 min 53 s
